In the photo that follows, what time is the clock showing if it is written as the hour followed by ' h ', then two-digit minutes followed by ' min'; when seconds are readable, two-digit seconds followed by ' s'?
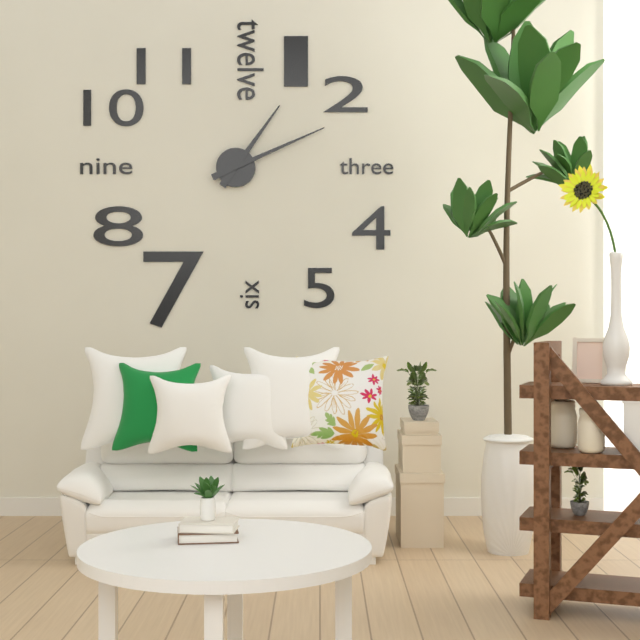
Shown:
1 h 11 min
